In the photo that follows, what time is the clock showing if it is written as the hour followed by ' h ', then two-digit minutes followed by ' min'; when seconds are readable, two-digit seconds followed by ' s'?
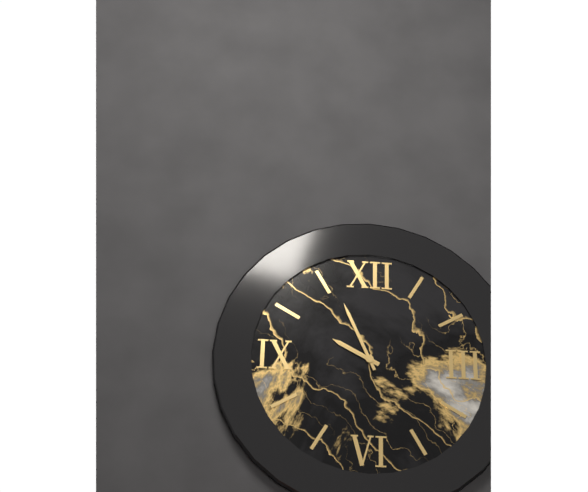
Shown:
9 h 56 min
